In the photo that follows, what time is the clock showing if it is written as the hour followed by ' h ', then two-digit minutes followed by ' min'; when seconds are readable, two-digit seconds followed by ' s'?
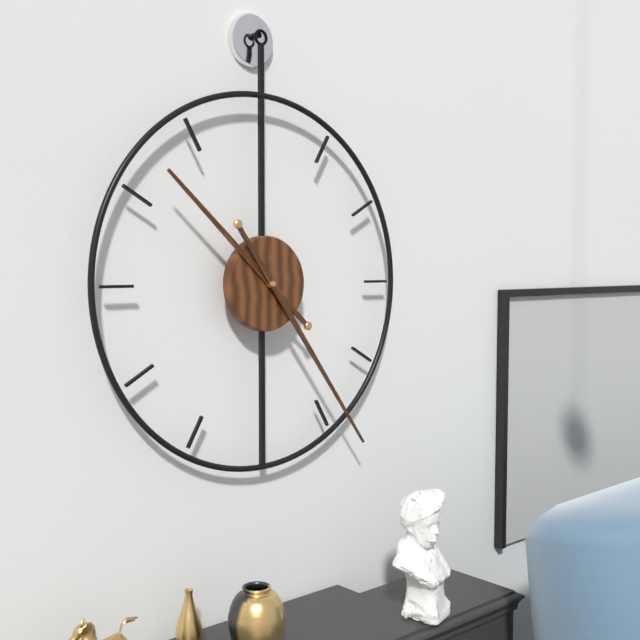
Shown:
10 h 24 min
